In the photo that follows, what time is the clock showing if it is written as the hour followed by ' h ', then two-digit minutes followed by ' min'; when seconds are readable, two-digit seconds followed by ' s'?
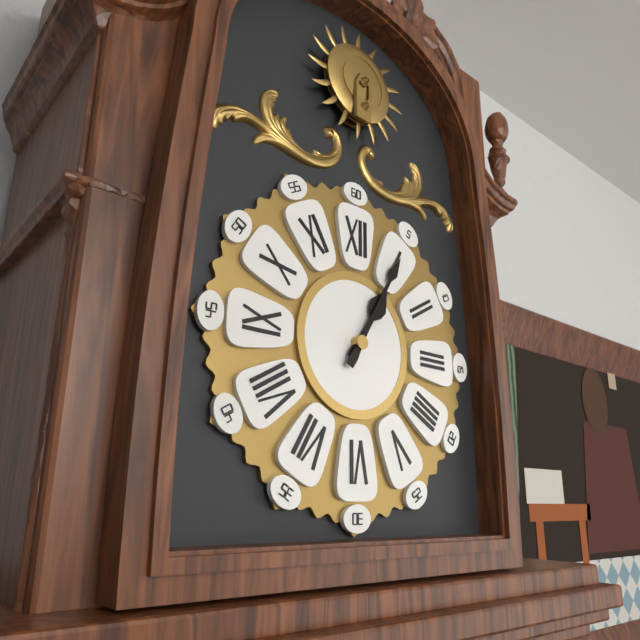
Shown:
1 h 05 min
